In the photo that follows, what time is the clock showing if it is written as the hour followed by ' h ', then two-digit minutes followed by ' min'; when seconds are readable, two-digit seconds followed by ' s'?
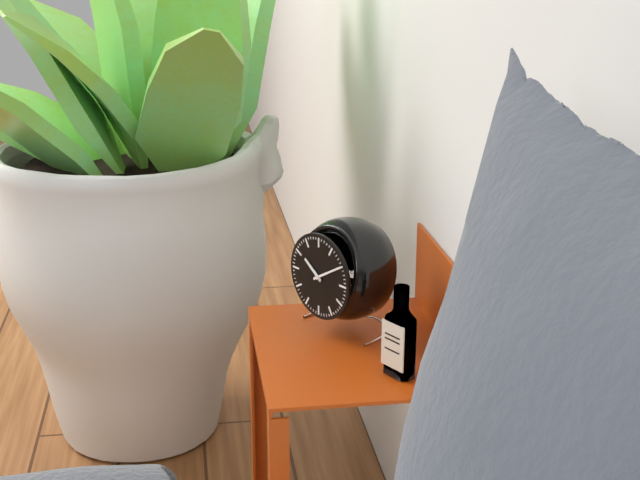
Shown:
10 h 10 min
